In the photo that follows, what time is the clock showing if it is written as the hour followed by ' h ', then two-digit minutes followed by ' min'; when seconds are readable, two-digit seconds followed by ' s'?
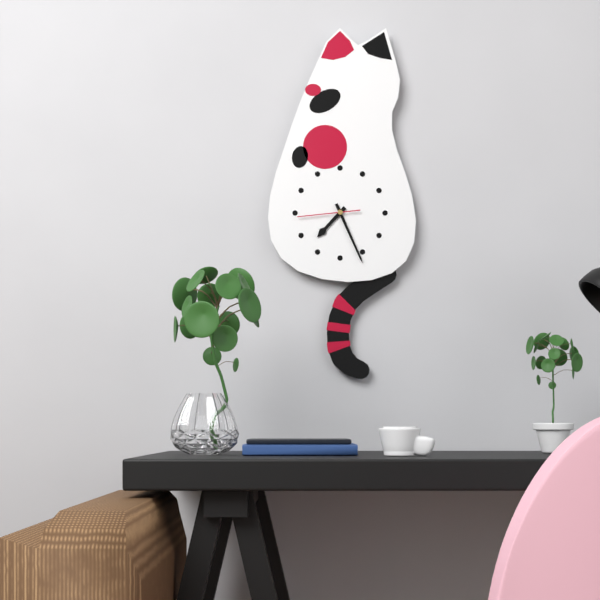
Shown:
7 h 26 min 44 s
